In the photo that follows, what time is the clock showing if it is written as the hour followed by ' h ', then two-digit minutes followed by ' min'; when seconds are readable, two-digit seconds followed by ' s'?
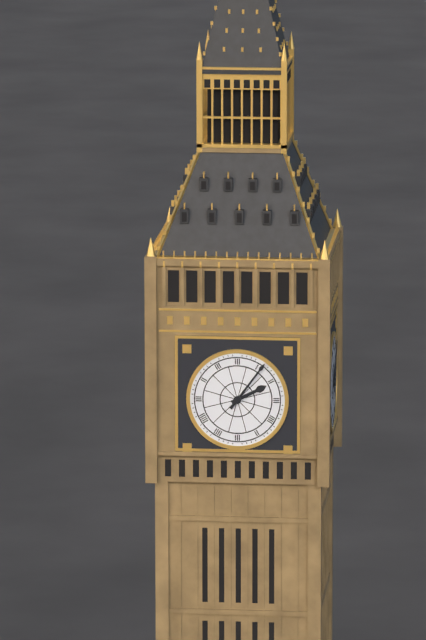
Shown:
2 h 06 min
